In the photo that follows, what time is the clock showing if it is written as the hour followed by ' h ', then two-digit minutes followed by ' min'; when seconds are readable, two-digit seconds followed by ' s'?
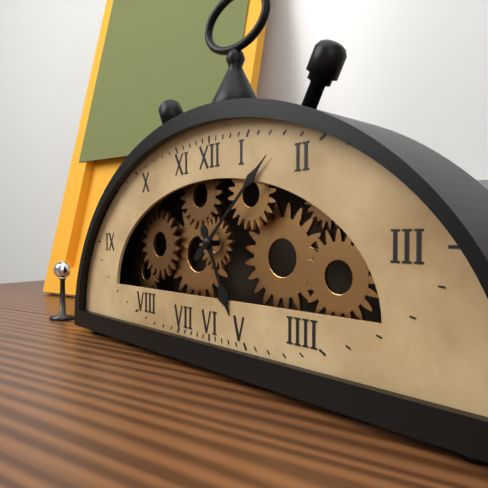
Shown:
5 h 08 min
